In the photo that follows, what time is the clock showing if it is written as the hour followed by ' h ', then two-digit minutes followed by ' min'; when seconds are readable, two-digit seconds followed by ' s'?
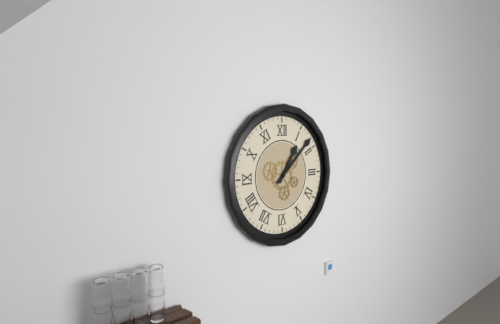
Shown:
1 h 08 min
